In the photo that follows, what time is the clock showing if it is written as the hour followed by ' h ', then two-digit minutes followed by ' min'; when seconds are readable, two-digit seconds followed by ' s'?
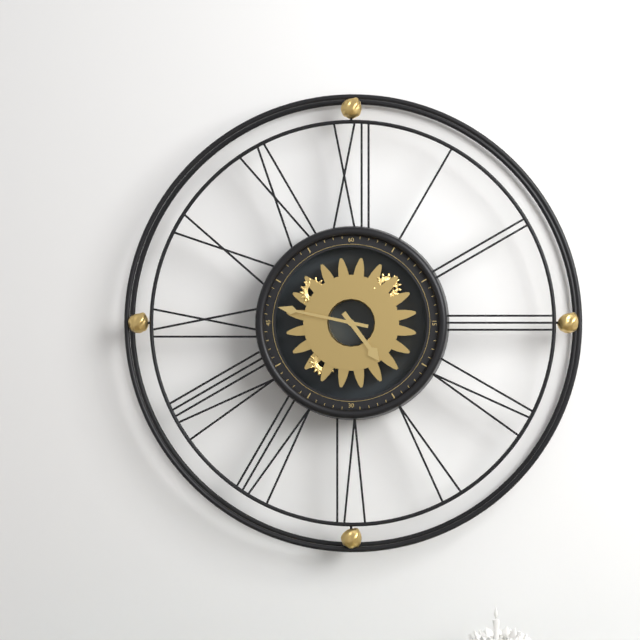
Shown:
4 h 47 min
